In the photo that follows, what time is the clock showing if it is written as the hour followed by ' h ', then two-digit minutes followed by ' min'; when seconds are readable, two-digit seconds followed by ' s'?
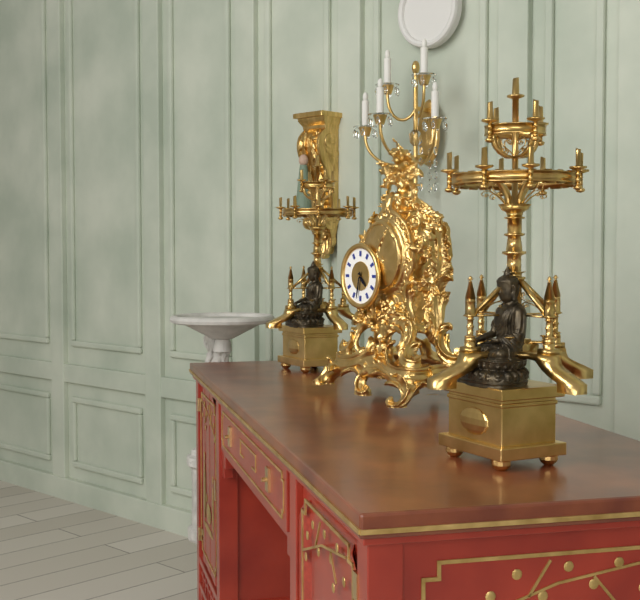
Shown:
4 h 32 min
